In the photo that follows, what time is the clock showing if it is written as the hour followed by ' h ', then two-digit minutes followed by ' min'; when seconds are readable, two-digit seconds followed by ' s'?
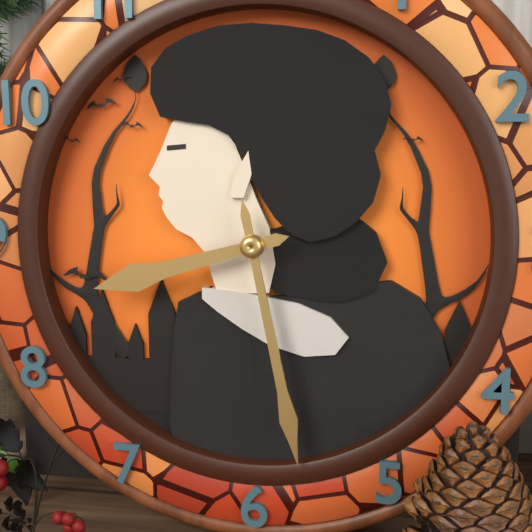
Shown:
8 h 28 min
